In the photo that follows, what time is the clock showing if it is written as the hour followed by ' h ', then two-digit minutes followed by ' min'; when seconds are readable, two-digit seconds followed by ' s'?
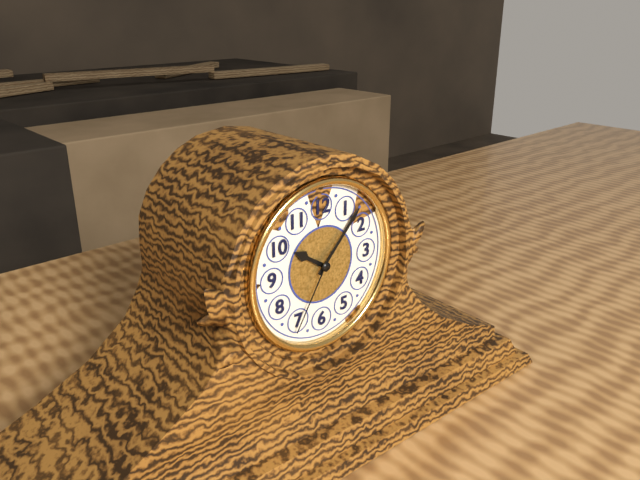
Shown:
10 h 07 min 35 s
